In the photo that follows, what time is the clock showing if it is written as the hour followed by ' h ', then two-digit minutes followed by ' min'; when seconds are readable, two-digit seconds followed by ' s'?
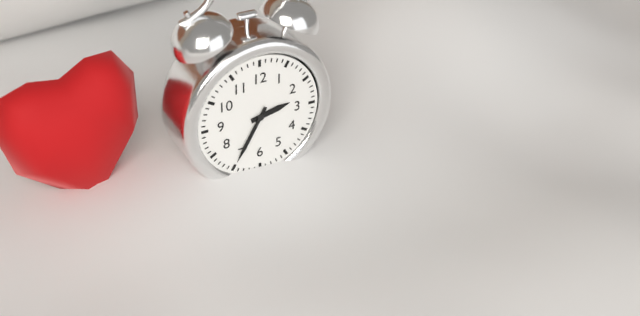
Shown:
2 h 35 min
